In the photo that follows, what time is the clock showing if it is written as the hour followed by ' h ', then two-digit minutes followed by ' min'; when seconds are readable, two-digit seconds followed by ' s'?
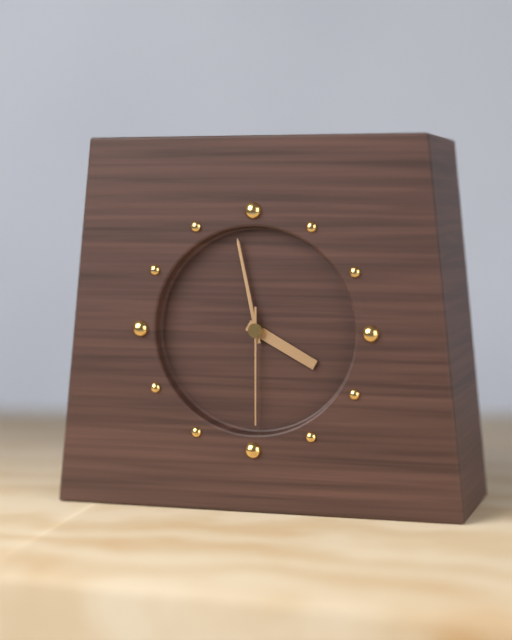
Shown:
3 h 58 min 30 s
